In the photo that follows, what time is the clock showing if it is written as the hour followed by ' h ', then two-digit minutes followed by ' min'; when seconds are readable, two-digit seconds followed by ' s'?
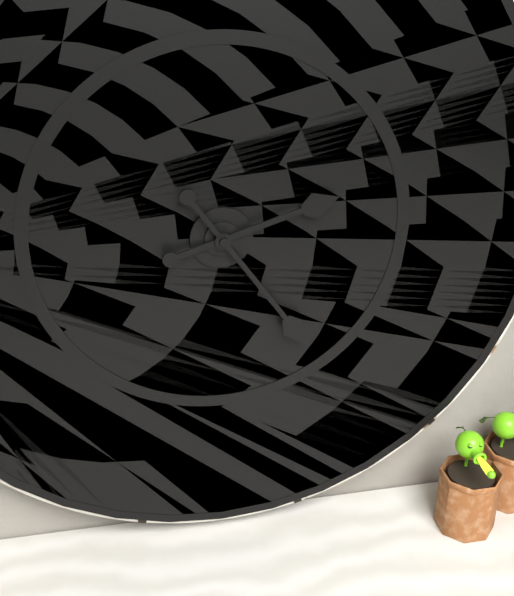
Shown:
2 h 24 min
